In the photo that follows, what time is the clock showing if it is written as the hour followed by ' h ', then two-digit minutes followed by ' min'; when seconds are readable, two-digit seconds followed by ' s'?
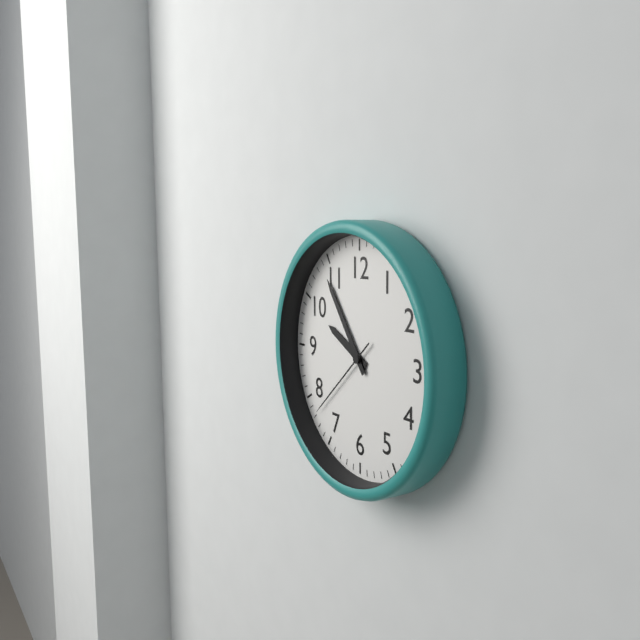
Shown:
9 h 54 min 38 s
